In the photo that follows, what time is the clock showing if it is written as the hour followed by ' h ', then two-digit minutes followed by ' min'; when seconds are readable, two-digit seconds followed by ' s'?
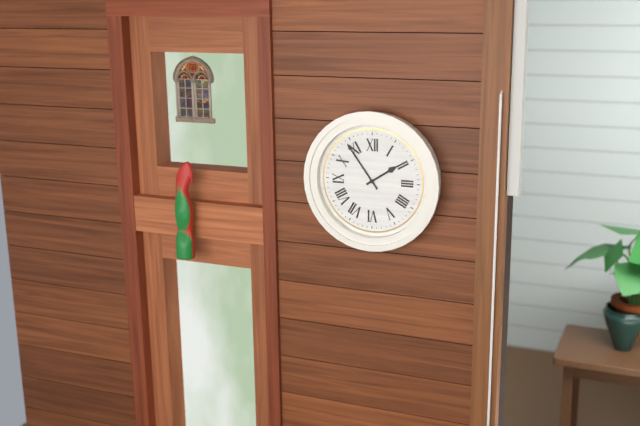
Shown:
1 h 54 min
